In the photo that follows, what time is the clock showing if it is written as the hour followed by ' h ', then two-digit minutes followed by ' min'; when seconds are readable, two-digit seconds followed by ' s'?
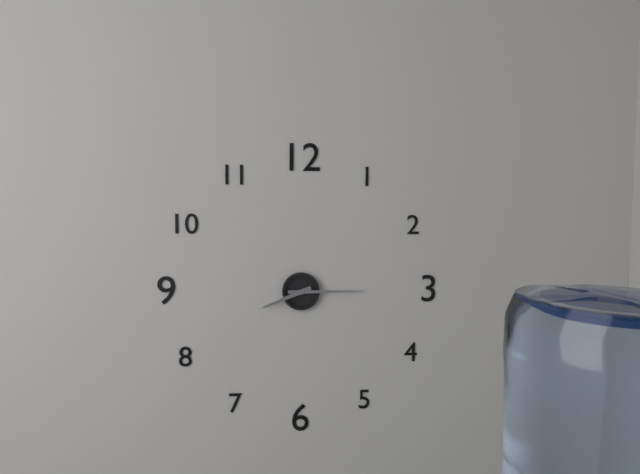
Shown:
8 h 15 min
